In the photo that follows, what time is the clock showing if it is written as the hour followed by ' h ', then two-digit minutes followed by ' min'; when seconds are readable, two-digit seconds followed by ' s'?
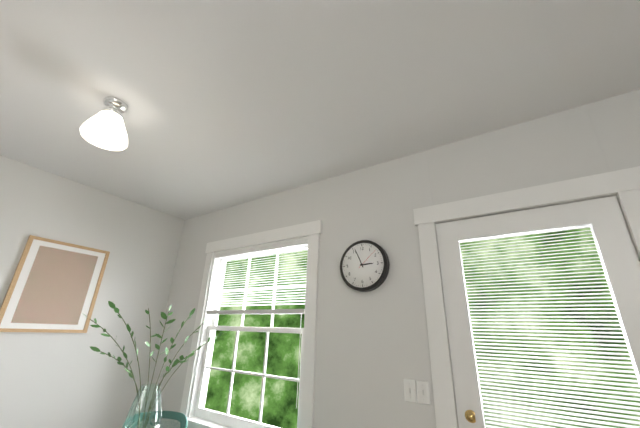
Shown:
2 h 56 min
